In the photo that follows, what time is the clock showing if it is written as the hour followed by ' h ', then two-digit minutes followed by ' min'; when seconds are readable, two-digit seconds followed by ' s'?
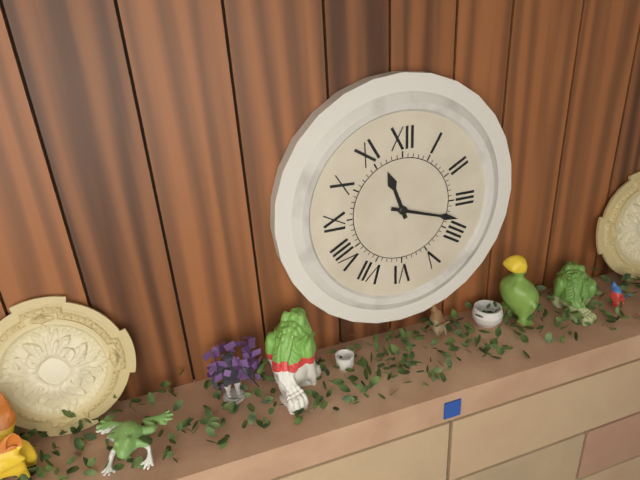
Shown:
11 h 18 min
